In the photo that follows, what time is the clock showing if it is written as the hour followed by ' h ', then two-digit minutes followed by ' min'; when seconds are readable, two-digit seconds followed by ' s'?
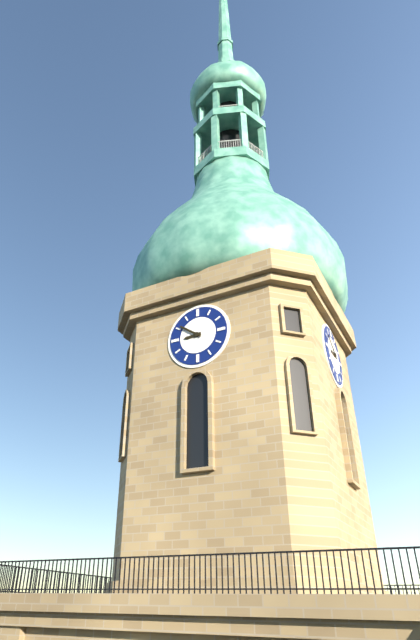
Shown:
8 h 51 min
